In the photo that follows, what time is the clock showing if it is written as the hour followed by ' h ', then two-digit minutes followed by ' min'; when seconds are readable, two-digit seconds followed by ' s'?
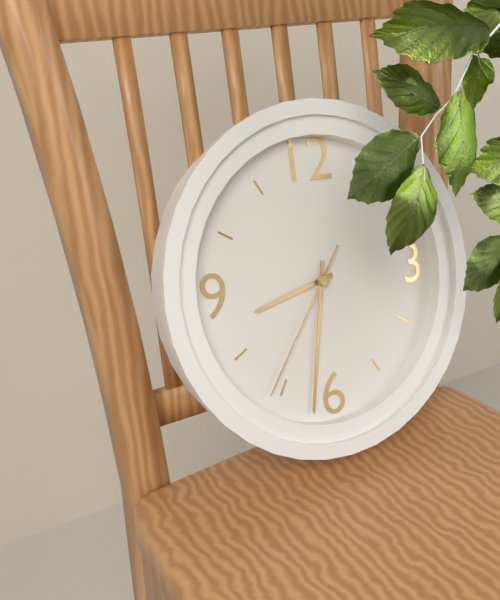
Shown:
8 h 32 min 36 s
